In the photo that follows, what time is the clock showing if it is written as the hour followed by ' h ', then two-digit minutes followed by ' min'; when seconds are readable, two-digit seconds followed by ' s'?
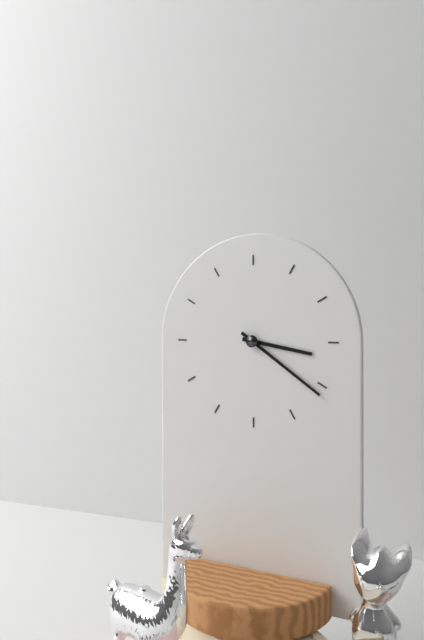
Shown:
3 h 21 min
